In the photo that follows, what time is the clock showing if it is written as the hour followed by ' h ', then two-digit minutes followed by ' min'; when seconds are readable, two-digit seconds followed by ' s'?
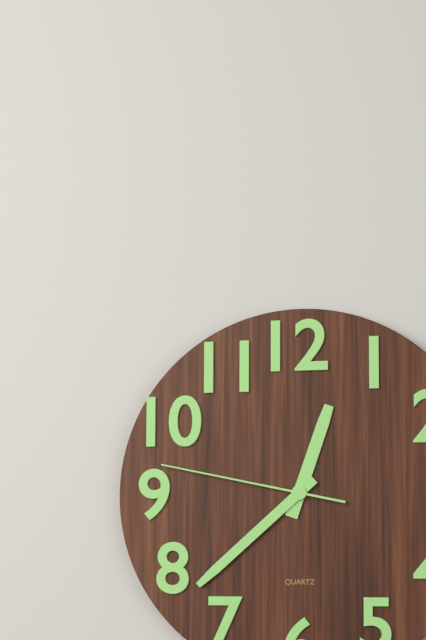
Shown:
12 h 38 min 47 s
